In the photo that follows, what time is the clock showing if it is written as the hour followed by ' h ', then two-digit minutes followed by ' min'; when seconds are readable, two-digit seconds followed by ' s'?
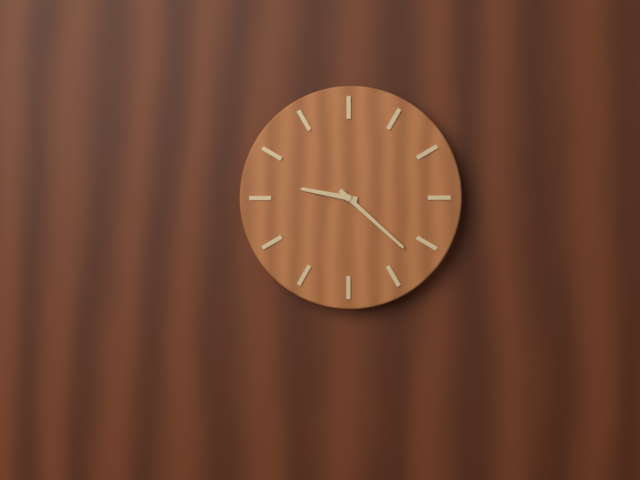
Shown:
9 h 22 min
